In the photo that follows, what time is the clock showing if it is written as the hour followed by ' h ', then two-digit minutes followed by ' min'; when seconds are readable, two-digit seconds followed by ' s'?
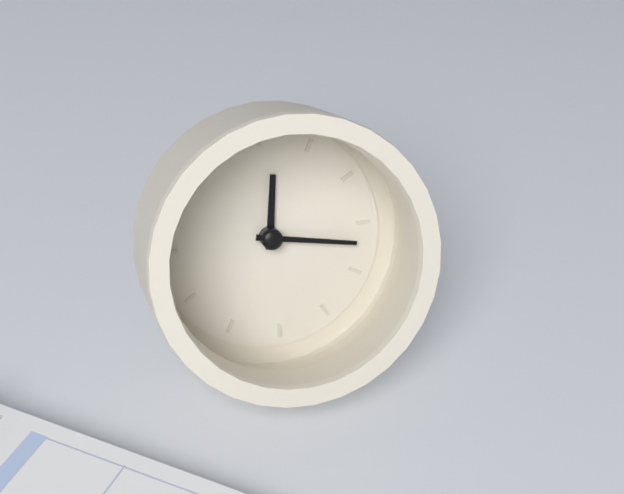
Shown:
12 h 17 min
